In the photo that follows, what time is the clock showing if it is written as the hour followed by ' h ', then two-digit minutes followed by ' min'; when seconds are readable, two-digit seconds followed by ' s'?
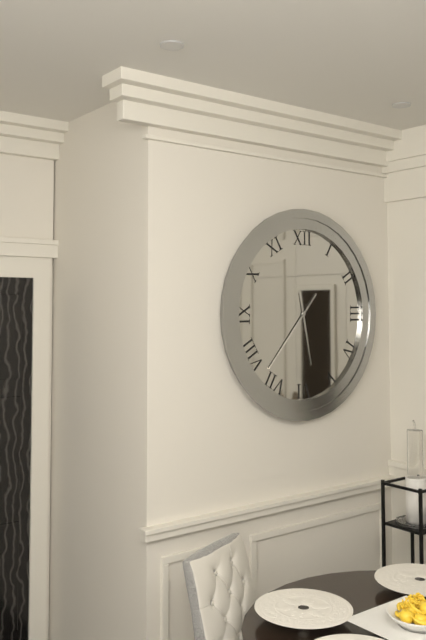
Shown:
5 h 37 min
